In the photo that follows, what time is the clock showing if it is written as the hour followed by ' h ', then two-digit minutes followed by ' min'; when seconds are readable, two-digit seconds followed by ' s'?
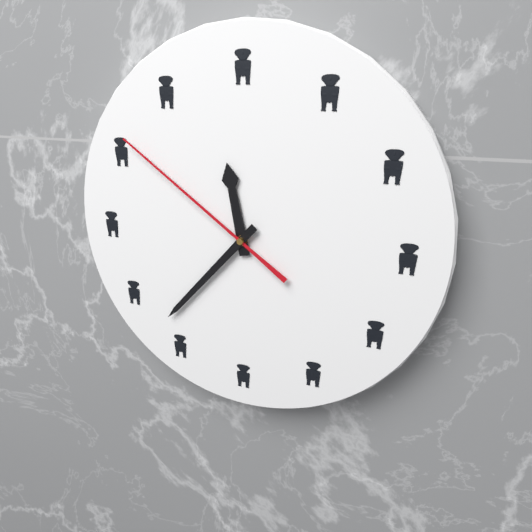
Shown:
11 h 37 min 51 s
